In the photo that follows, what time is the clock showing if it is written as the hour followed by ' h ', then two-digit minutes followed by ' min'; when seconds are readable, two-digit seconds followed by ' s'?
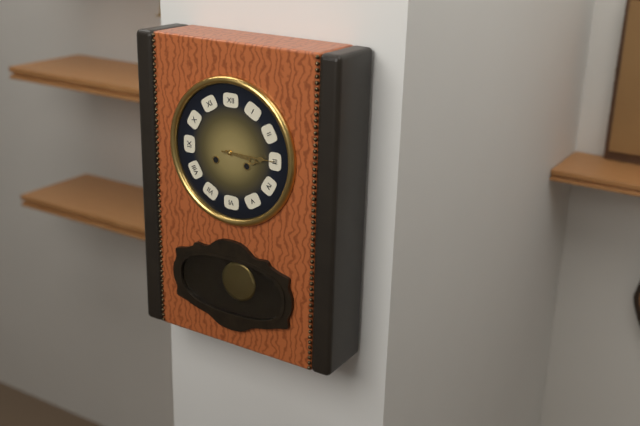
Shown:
3 h 15 min
